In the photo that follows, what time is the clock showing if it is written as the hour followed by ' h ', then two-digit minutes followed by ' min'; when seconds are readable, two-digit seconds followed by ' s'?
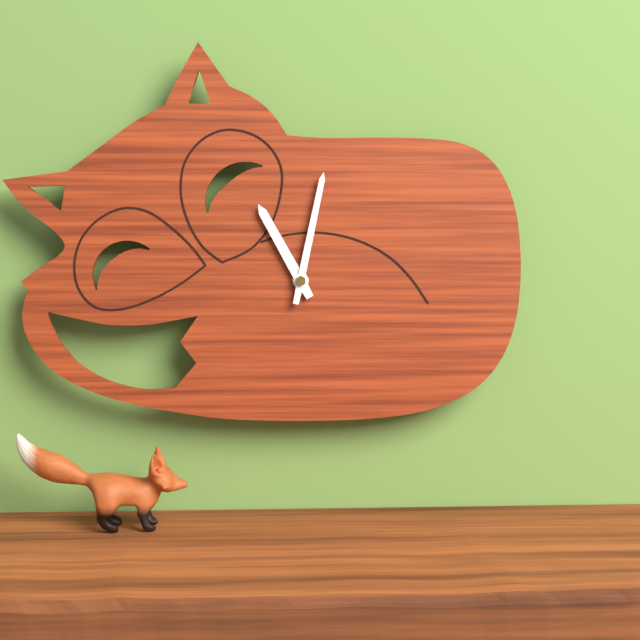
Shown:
11 h 02 min
